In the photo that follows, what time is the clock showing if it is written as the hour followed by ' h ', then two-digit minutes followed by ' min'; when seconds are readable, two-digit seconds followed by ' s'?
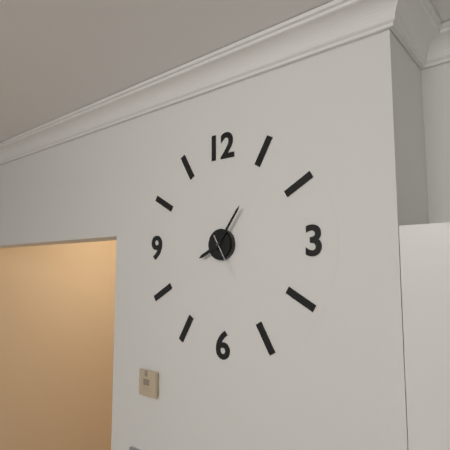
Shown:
8 h 06 min
